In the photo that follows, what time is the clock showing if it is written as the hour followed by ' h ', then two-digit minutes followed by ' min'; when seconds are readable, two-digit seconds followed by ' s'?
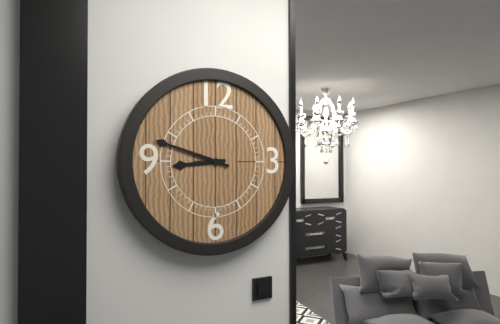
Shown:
8 h 48 min
